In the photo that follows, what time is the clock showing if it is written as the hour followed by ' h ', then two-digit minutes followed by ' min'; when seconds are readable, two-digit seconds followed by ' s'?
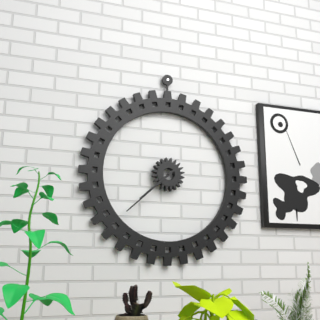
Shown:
7 h 38 min
